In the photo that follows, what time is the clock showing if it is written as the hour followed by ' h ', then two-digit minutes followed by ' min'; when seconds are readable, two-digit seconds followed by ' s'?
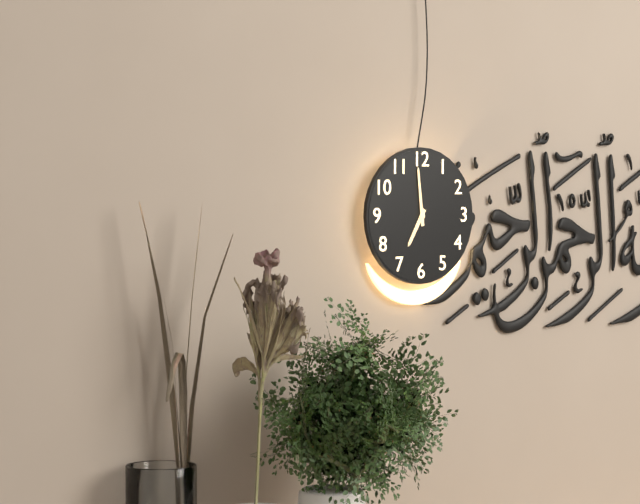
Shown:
6 h 59 min
